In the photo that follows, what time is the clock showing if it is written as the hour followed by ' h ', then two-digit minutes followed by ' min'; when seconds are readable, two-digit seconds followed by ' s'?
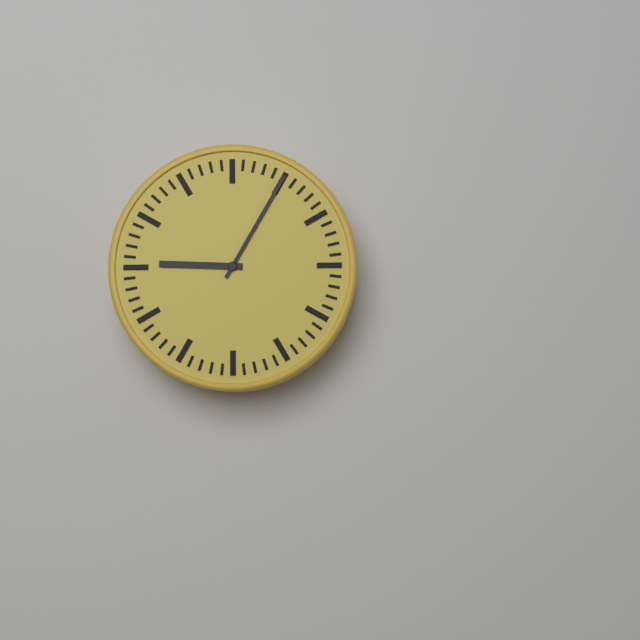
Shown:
9 h 05 min
